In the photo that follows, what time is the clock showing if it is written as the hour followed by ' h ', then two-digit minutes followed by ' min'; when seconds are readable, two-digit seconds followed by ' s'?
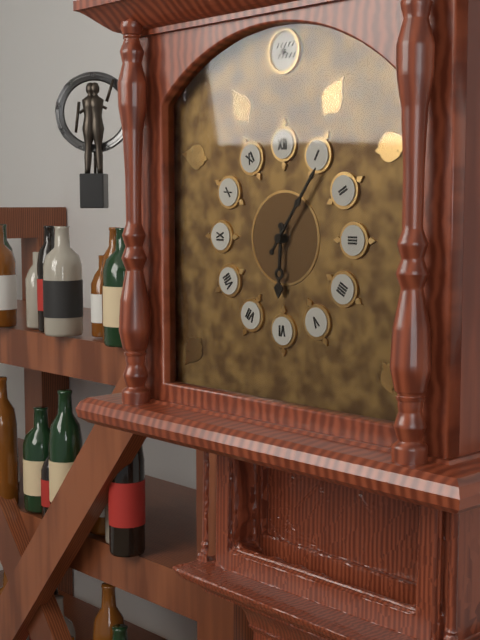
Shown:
6 h 06 min
